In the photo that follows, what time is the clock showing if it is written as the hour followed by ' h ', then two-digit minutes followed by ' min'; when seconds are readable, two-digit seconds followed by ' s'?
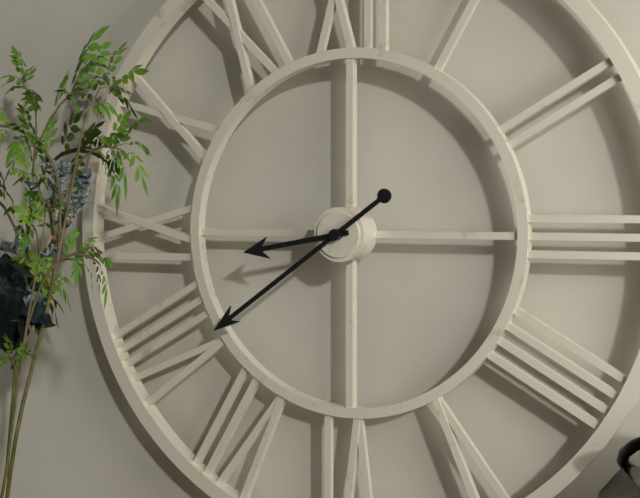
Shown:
8 h 39 min
